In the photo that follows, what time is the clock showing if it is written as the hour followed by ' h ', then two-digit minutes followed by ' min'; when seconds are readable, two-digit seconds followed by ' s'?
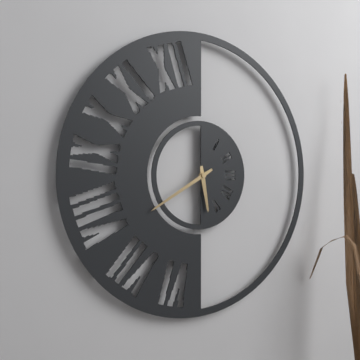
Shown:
5 h 40 min
